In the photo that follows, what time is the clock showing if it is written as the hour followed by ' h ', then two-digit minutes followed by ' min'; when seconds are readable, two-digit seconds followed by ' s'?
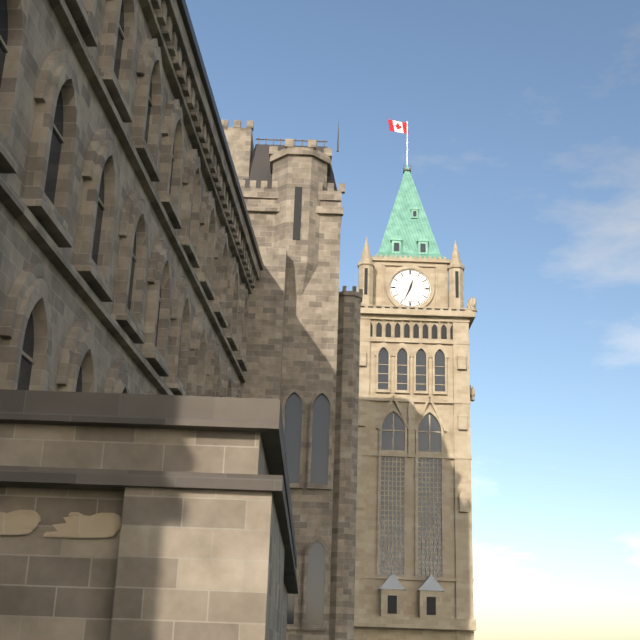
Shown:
12 h 34 min
